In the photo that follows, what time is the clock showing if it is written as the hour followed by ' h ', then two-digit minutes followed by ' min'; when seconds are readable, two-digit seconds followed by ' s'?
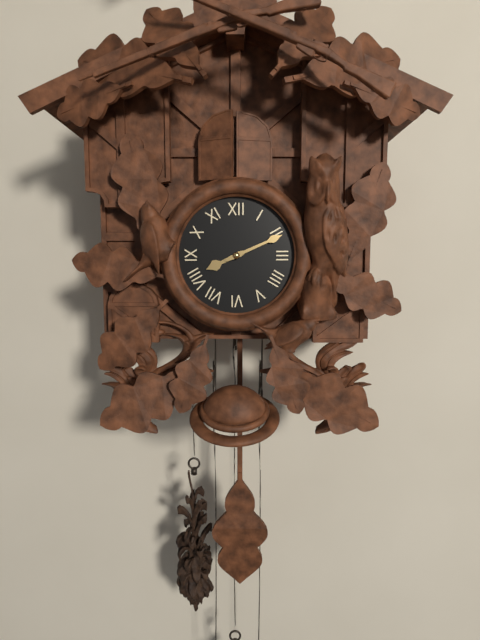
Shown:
8 h 11 min
